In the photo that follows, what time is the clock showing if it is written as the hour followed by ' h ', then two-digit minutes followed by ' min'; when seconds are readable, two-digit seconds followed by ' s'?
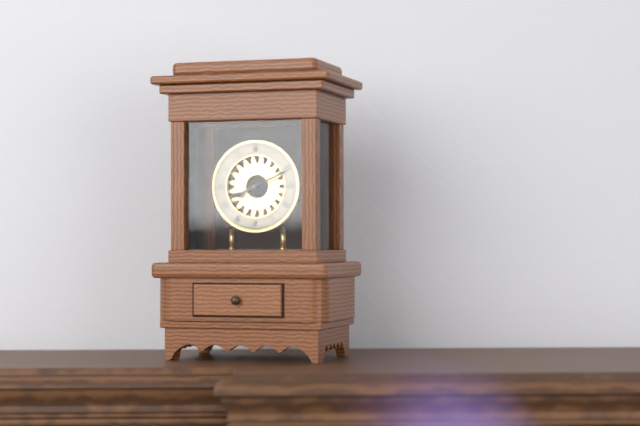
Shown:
8 h 11 min
